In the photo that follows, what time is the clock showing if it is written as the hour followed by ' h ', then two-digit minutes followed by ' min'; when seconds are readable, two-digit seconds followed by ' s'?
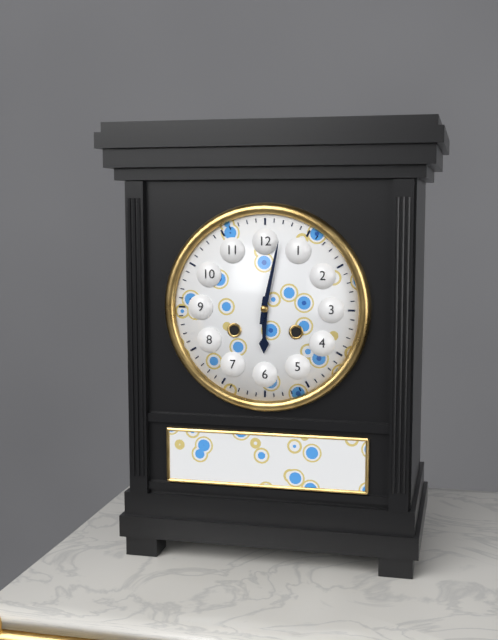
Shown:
6 h 02 min
